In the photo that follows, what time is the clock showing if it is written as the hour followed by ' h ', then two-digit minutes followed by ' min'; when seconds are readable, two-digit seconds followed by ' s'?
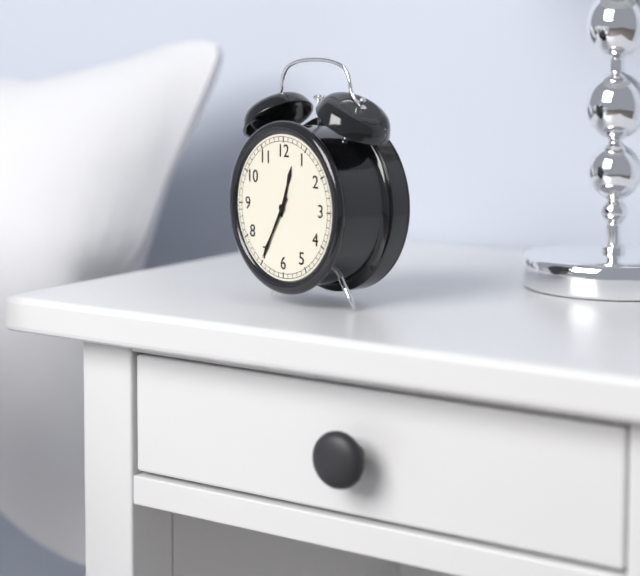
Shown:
12 h 35 min
